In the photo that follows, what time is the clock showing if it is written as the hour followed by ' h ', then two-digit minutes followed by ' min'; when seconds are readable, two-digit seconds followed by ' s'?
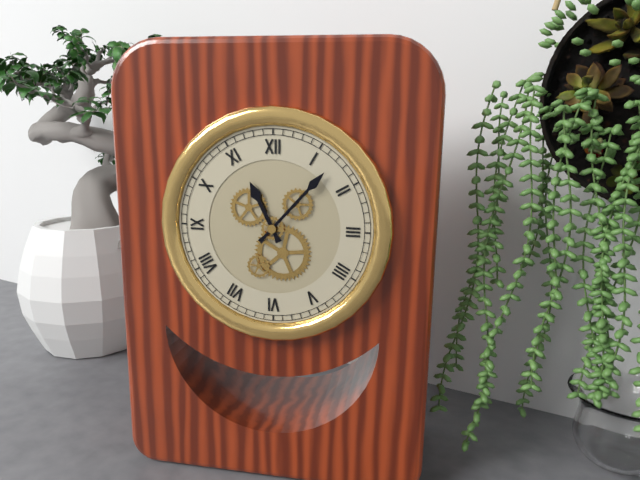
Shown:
11 h 07 min
